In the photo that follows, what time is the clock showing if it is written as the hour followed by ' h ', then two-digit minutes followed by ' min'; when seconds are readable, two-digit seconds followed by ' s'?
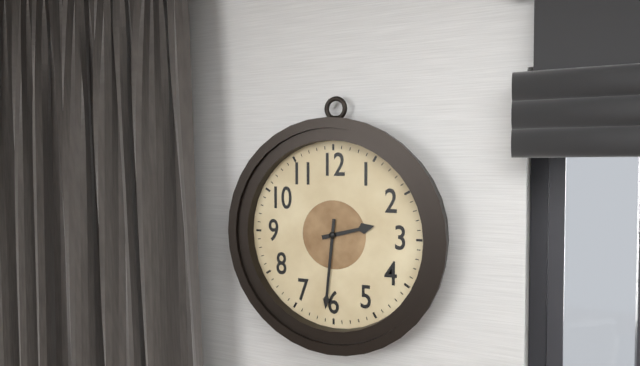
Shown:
2 h 31 min
